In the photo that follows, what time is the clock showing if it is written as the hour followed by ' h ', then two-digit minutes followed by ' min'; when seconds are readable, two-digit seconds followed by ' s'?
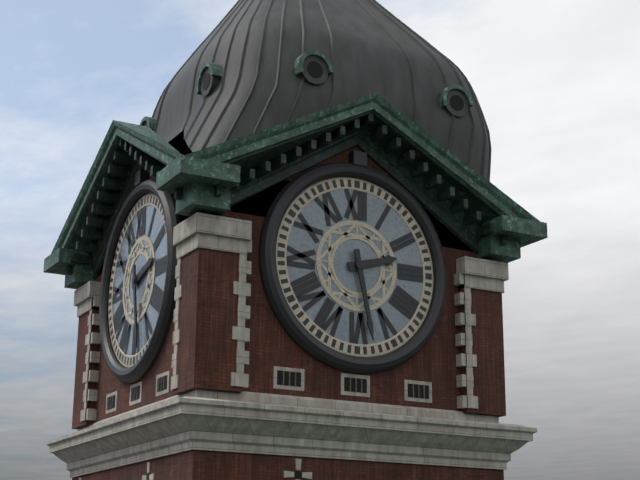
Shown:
2 h 28 min
